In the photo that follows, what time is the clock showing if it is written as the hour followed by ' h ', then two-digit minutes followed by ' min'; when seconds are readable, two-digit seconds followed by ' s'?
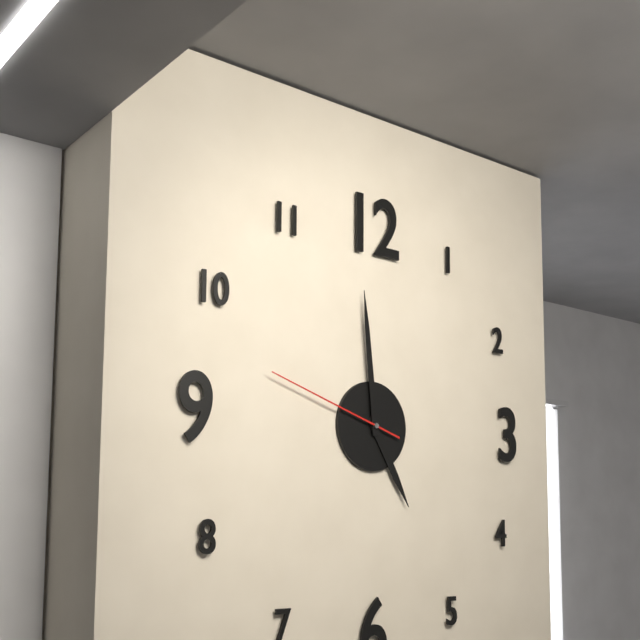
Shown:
4 h 59 min 48 s
